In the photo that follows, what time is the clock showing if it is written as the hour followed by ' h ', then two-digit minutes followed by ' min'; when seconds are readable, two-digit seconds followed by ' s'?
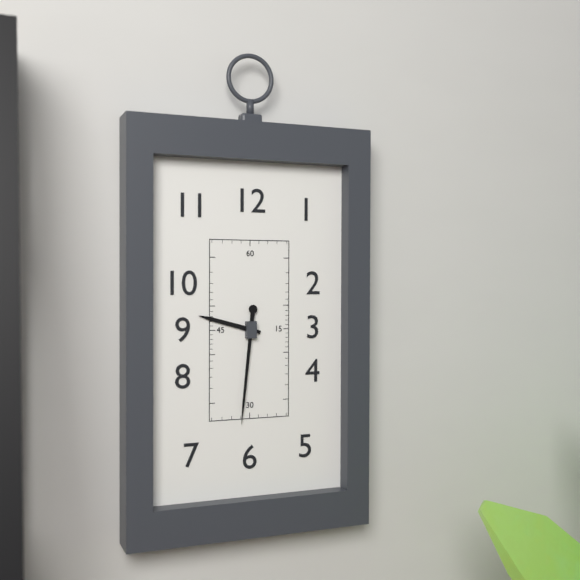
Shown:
9 h 31 min
